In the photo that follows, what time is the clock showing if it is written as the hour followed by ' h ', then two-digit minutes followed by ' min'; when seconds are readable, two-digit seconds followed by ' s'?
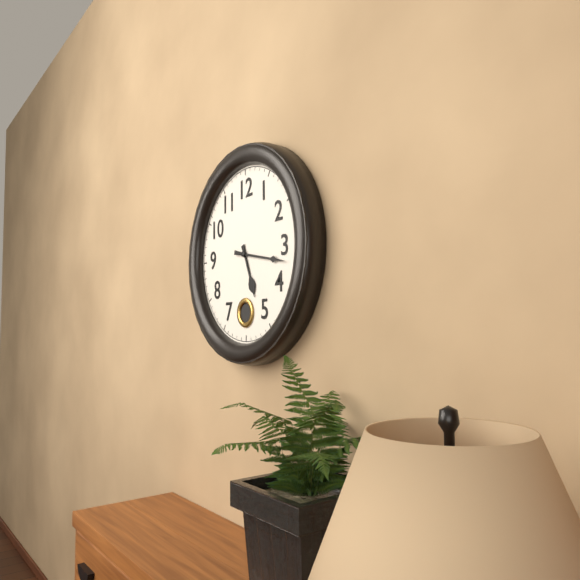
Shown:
5 h 17 min
